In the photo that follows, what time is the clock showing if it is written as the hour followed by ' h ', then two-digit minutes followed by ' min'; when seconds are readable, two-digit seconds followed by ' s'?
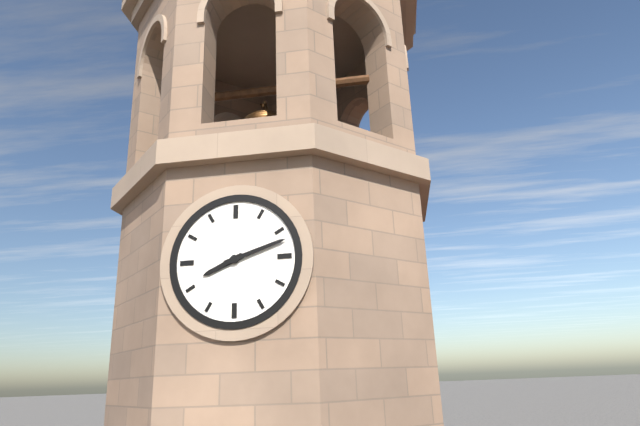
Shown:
8 h 12 min
